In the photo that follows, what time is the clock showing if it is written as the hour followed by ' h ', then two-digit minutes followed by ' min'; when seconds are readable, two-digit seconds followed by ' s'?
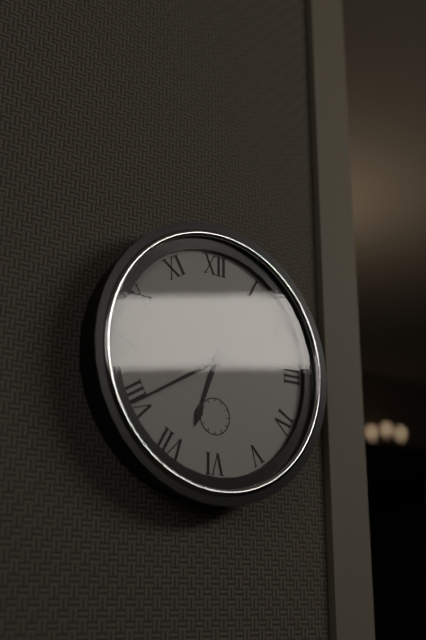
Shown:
6 h 40 min
